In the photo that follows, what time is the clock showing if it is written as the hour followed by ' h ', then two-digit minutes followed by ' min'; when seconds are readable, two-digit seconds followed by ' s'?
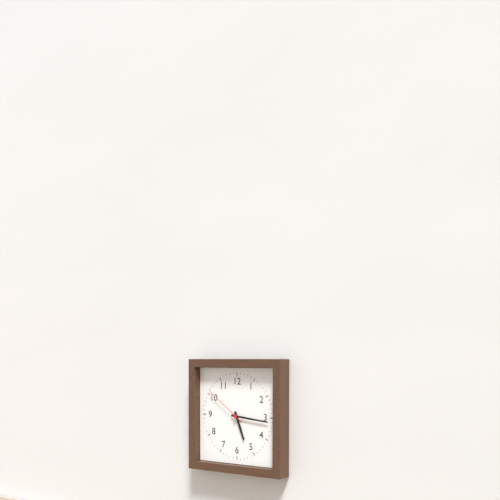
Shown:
5 h 16 min
